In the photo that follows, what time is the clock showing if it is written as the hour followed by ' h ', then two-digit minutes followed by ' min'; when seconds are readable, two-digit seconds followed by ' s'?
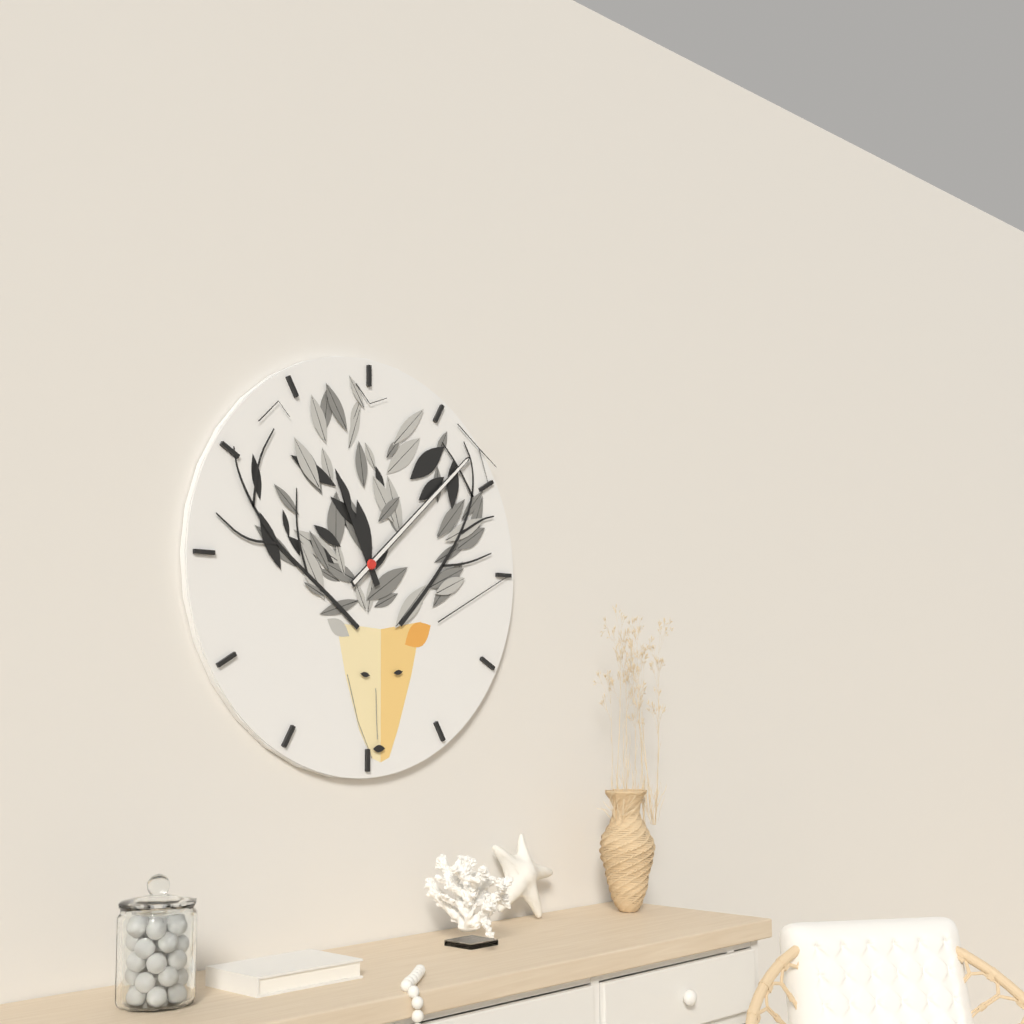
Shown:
11 h 08 min
